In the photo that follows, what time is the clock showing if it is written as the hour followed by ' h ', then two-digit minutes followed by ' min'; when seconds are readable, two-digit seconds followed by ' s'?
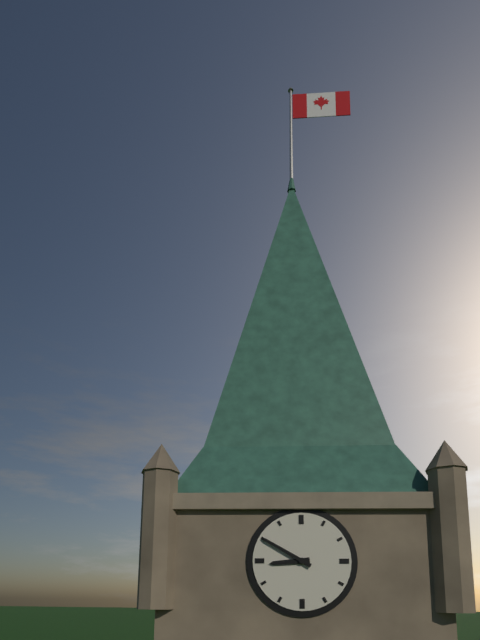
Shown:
8 h 50 min
